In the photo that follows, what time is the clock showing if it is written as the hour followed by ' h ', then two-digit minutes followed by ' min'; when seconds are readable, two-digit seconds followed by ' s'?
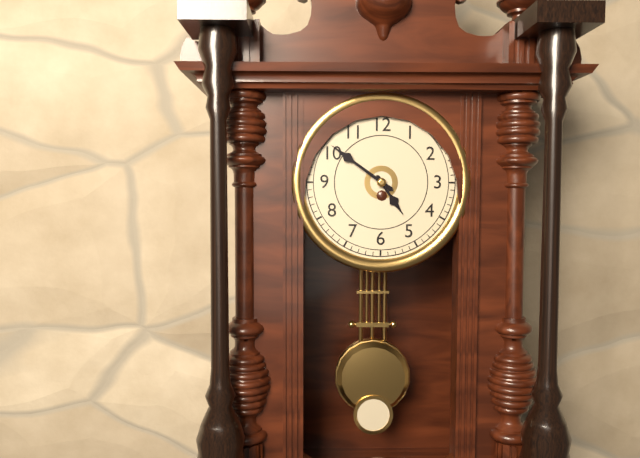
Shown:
4 h 51 min
